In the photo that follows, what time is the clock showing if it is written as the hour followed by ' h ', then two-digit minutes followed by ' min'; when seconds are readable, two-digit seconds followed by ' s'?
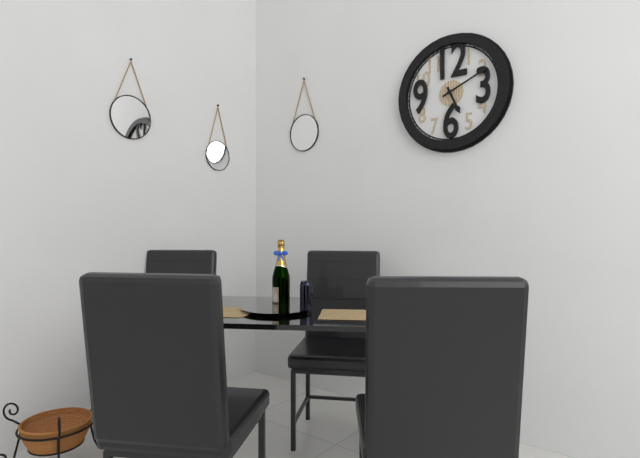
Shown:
5 h 11 min
